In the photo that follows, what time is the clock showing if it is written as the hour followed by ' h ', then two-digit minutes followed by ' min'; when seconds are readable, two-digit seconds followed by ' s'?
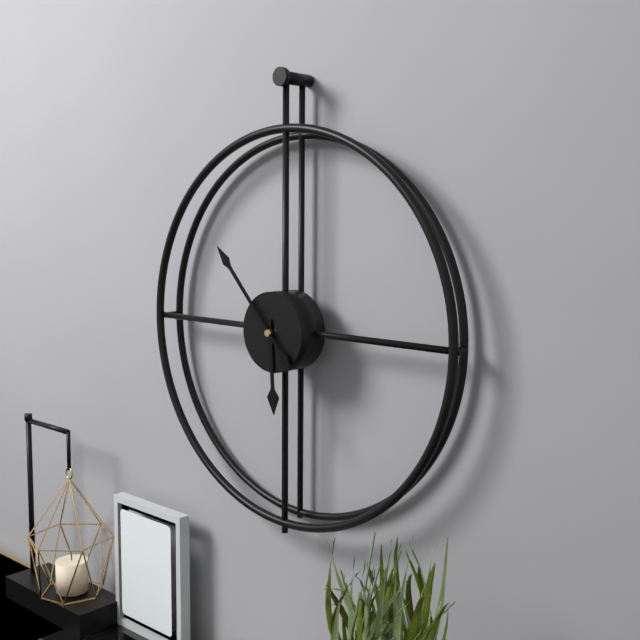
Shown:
5 h 53 min
